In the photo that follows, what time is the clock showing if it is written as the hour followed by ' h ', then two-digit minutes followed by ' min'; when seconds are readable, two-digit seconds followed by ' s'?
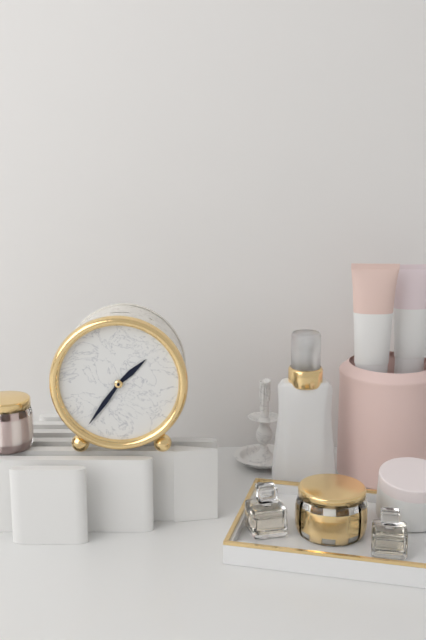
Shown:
1 h 36 min
